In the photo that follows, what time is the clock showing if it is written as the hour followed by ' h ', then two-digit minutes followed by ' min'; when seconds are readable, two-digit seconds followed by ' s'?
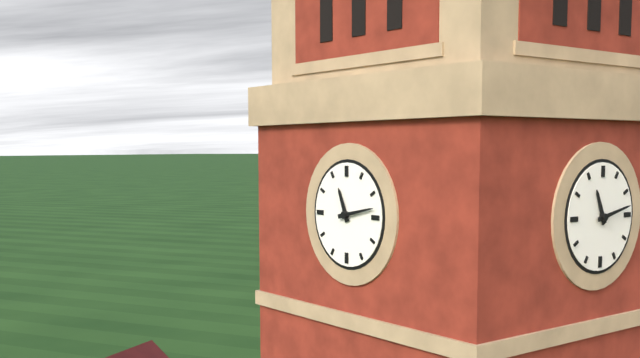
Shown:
11 h 13 min
